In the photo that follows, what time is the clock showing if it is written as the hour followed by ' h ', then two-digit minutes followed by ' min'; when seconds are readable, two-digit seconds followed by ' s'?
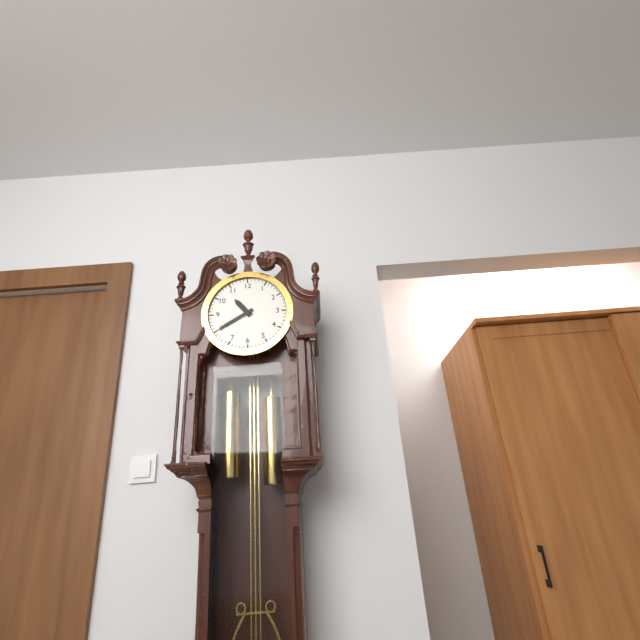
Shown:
10 h 40 min
